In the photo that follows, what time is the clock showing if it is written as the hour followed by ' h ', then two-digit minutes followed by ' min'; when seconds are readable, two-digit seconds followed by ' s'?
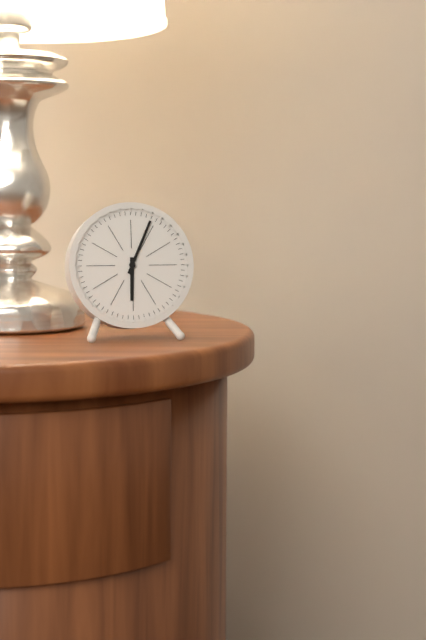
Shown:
6 h 04 min
